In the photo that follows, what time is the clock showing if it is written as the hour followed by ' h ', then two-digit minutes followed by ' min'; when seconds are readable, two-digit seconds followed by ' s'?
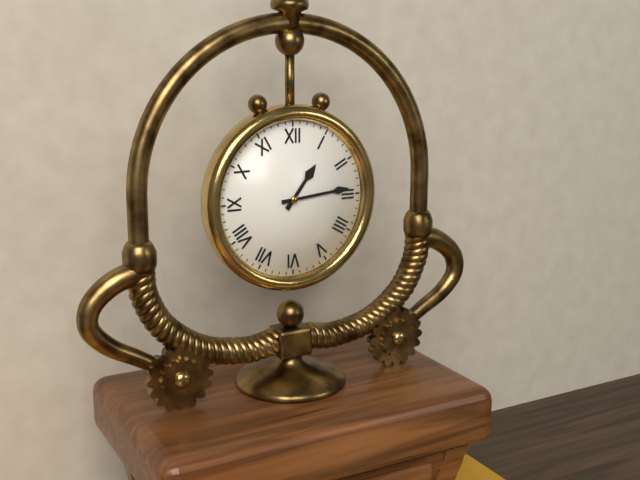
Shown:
1 h 14 min
